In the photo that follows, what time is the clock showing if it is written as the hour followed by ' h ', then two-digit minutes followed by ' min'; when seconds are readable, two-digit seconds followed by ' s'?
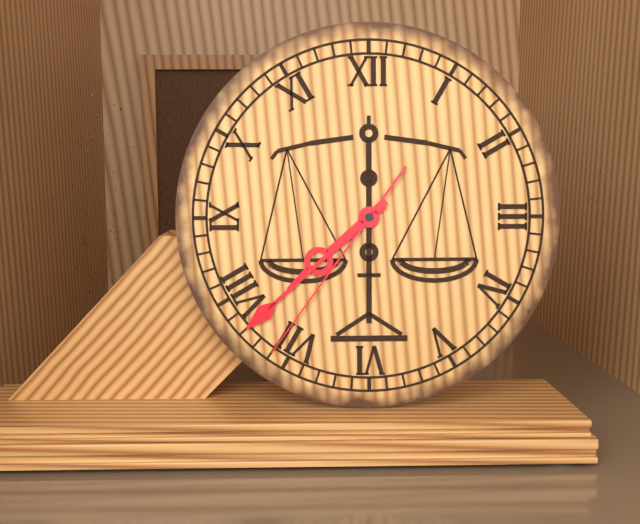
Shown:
7 h 38 min 36 s
